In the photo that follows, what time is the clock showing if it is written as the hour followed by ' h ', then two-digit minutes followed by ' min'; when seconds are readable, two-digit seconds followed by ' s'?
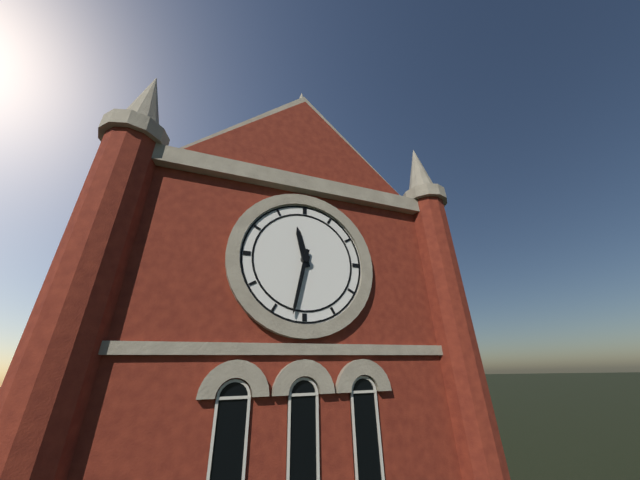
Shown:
11 h 32 min
